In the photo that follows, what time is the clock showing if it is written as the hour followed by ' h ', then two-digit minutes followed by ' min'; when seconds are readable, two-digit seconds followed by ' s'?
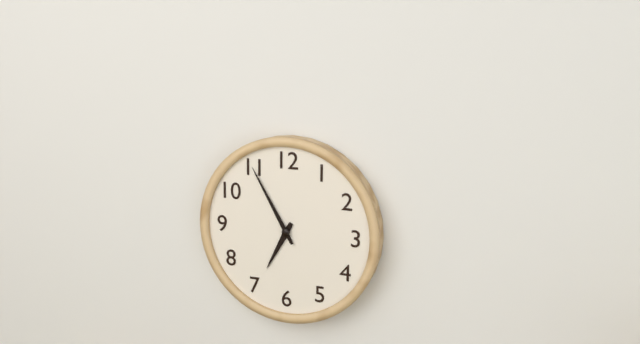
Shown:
6 h 55 min
